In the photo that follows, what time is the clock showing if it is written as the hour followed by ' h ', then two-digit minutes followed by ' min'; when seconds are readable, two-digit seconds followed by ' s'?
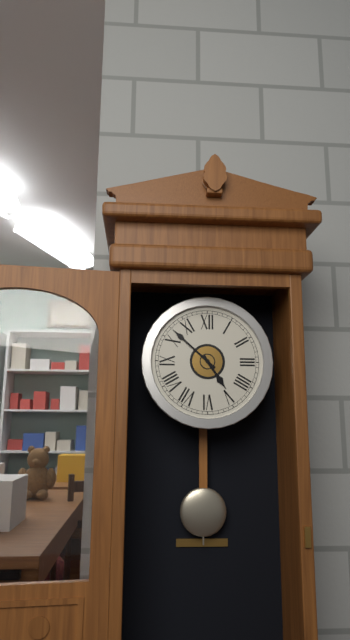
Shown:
4 h 52 min
